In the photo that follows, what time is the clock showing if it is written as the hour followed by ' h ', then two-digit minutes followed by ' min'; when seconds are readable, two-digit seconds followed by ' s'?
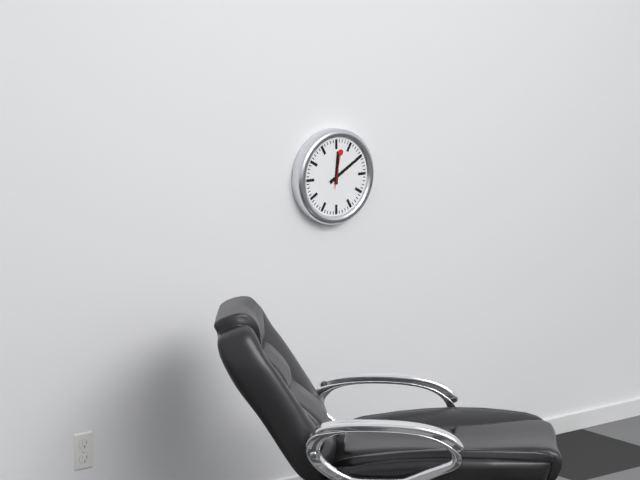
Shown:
12 h 10 min
